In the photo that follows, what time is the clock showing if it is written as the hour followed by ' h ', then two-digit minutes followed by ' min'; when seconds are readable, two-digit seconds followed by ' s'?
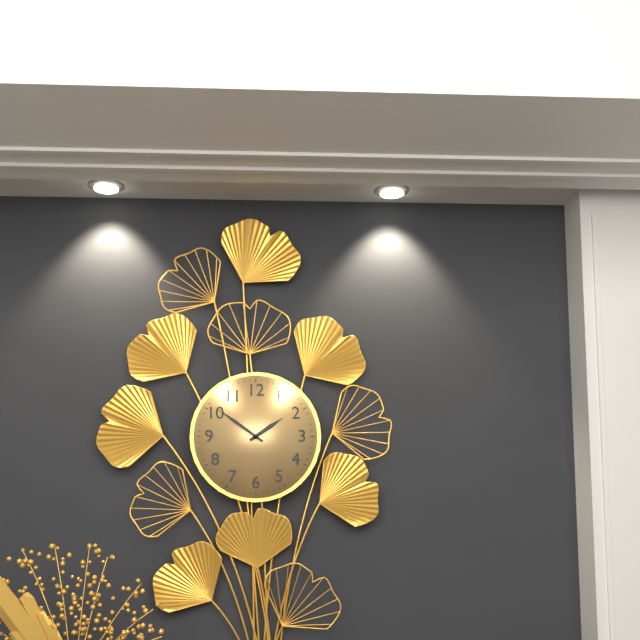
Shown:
1 h 51 min
